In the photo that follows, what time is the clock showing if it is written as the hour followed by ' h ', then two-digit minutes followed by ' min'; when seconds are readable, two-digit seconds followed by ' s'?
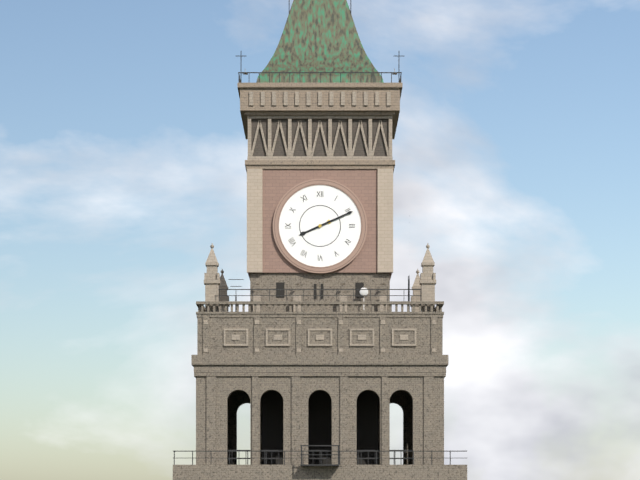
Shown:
8 h 11 min
